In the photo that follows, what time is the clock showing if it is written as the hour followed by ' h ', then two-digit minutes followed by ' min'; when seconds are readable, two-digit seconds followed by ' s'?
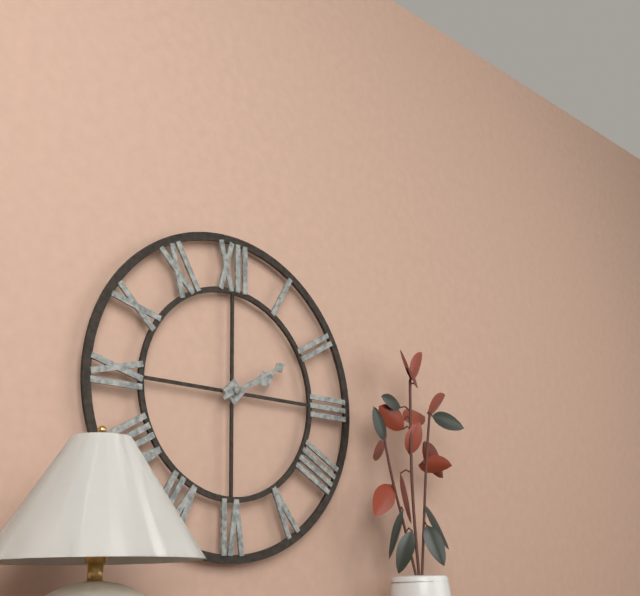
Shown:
2 h 10 min
